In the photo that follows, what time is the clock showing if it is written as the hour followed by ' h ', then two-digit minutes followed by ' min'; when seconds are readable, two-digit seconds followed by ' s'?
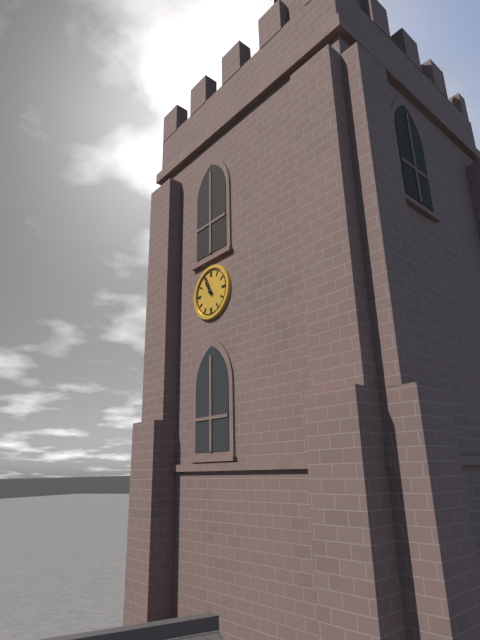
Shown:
10 h 56 min
